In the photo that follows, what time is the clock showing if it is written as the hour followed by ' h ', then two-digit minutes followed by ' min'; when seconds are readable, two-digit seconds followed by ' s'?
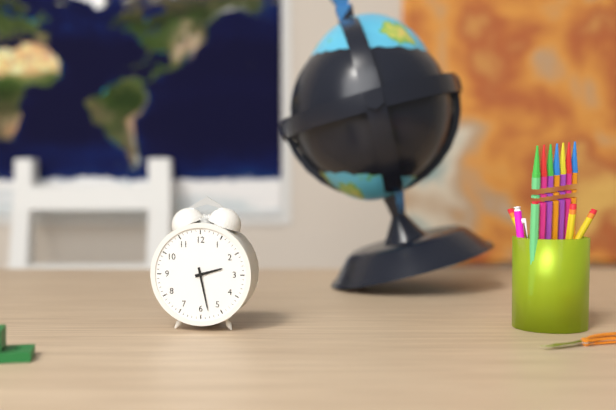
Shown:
2 h 28 min
